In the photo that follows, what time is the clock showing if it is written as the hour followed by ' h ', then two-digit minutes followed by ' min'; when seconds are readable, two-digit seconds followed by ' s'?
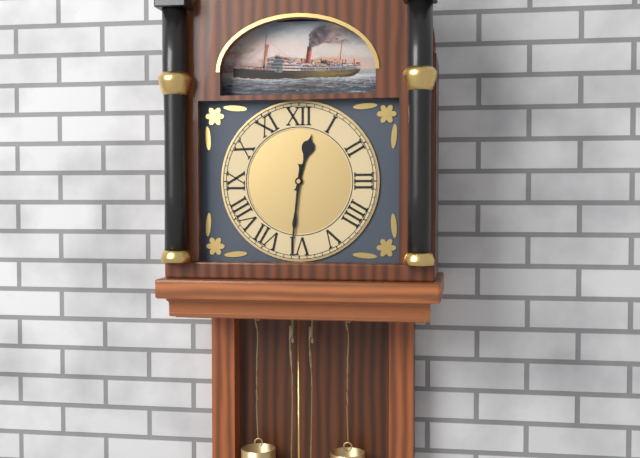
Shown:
12 h 31 min
